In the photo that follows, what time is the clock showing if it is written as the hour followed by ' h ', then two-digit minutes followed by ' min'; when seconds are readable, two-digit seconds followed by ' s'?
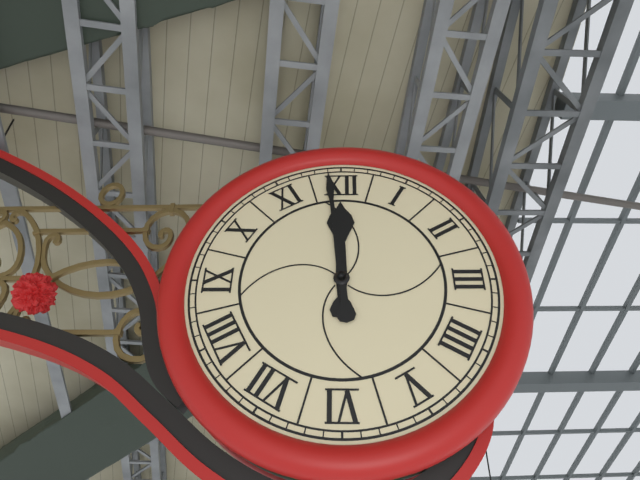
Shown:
11 h 59 min
